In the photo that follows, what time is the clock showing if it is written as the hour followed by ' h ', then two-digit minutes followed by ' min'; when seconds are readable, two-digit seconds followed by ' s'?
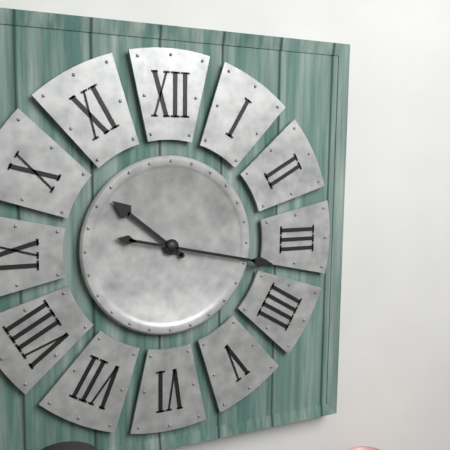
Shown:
10 h 17 min
